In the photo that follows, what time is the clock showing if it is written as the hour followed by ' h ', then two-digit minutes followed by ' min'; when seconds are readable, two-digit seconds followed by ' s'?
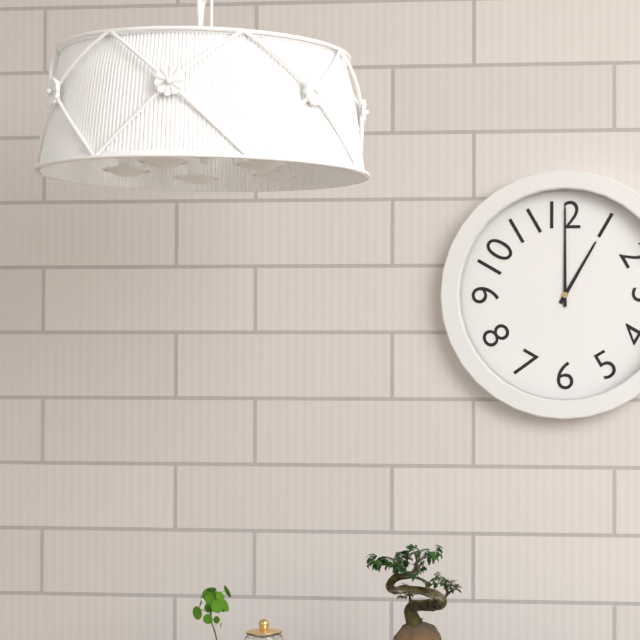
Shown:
1 h 00 min
